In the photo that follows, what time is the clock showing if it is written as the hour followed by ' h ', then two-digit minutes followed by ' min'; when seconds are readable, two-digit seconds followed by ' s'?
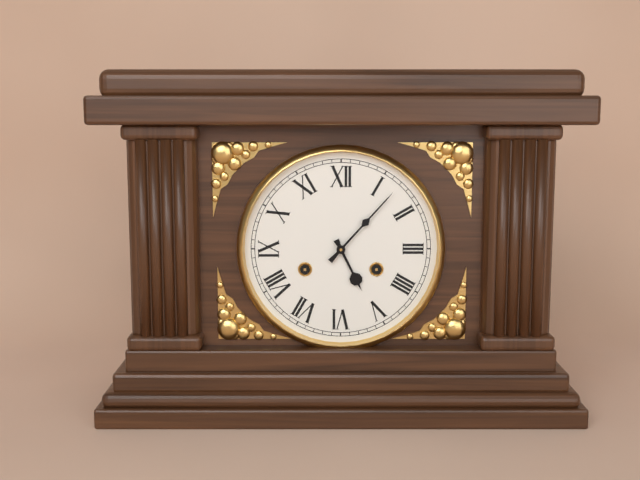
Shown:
5 h 07 min
